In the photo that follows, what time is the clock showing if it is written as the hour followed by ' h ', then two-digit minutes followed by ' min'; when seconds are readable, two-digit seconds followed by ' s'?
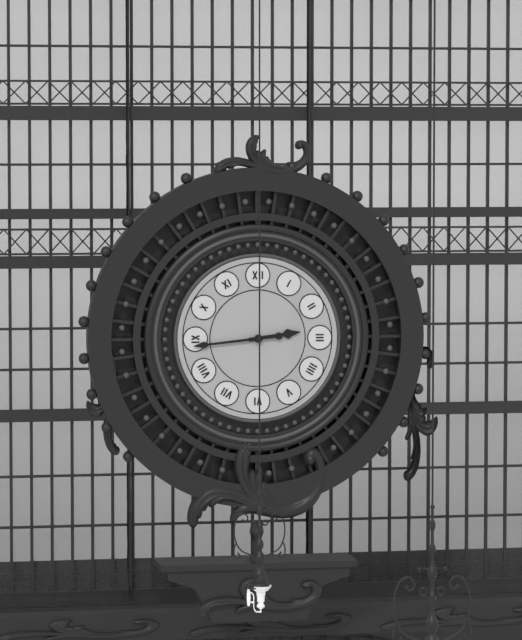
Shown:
2 h 44 min
